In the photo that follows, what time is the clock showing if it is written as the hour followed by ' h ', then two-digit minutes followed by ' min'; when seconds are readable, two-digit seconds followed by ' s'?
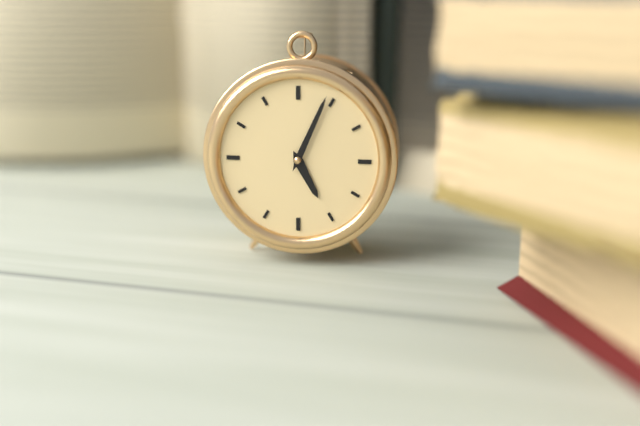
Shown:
5 h 04 min
